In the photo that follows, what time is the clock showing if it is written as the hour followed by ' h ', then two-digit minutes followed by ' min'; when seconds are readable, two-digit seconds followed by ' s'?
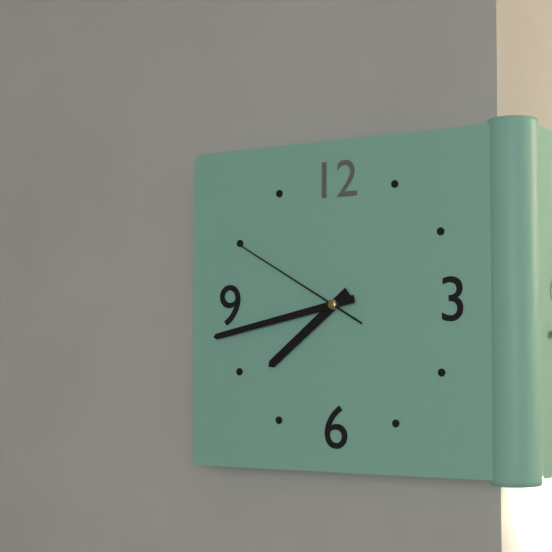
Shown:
7 h 43 min 50 s
